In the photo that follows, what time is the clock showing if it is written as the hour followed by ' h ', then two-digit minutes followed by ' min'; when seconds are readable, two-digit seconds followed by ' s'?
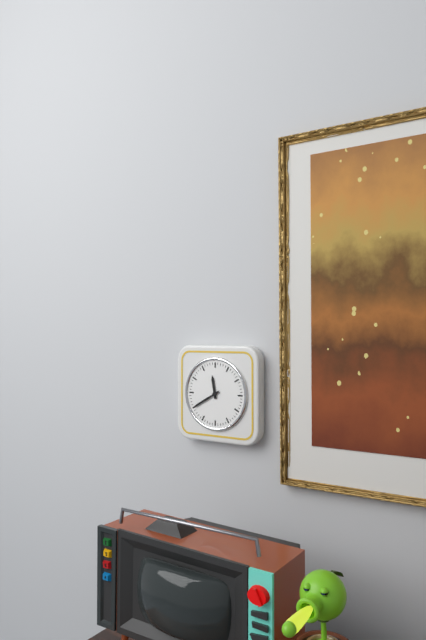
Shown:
11 h 40 min
